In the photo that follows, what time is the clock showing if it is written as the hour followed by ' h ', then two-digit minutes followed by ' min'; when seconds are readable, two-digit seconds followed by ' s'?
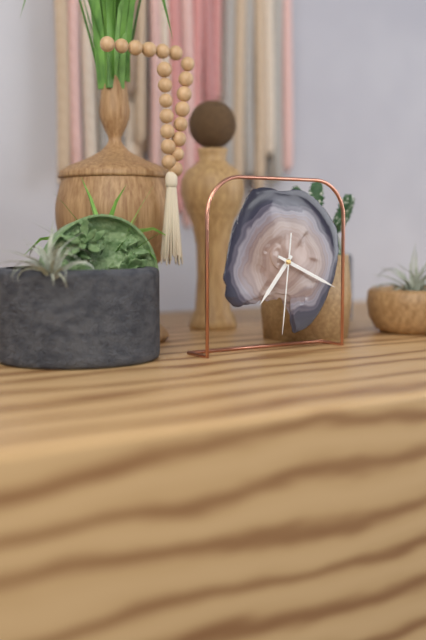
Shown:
7 h 19 min 31 s
